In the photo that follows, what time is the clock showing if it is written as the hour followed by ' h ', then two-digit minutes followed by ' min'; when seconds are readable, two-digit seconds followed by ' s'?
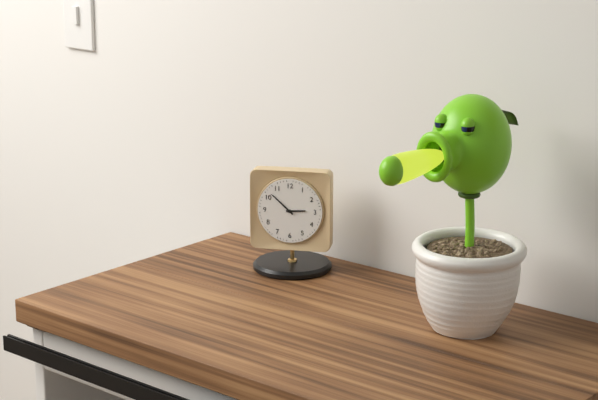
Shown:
2 h 52 min
